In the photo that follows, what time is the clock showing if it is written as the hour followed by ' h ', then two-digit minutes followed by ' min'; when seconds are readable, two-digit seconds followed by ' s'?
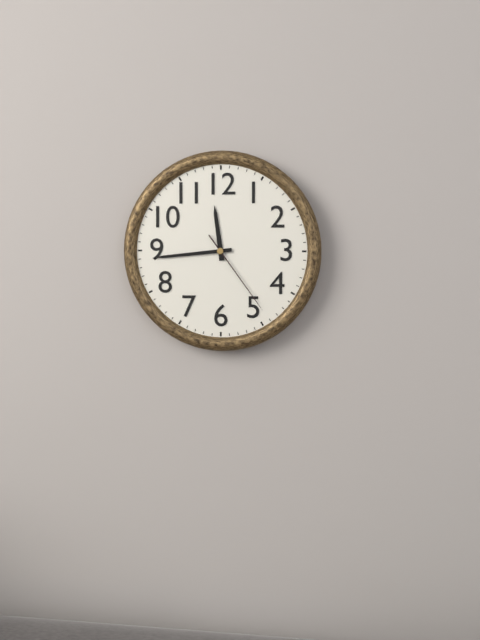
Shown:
11 h 44 min 24 s
